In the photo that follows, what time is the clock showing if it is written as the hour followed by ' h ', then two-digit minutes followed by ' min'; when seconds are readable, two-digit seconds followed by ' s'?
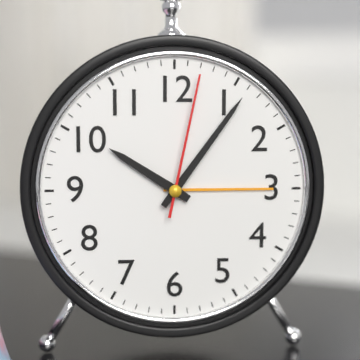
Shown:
10 h 06 min 02 s
